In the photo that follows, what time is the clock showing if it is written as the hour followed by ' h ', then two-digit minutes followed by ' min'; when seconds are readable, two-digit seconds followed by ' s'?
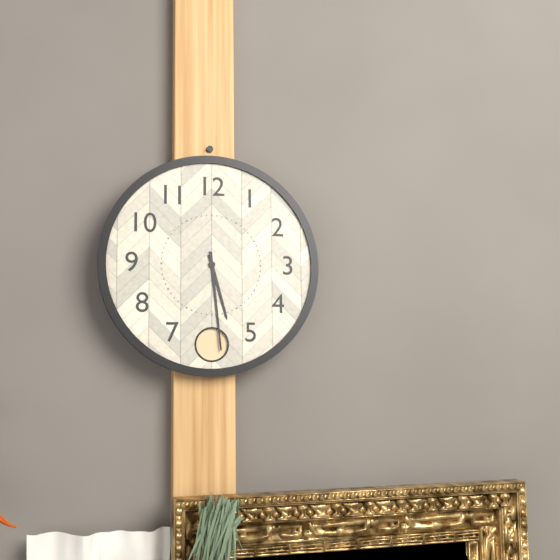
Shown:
5 h 29 min
